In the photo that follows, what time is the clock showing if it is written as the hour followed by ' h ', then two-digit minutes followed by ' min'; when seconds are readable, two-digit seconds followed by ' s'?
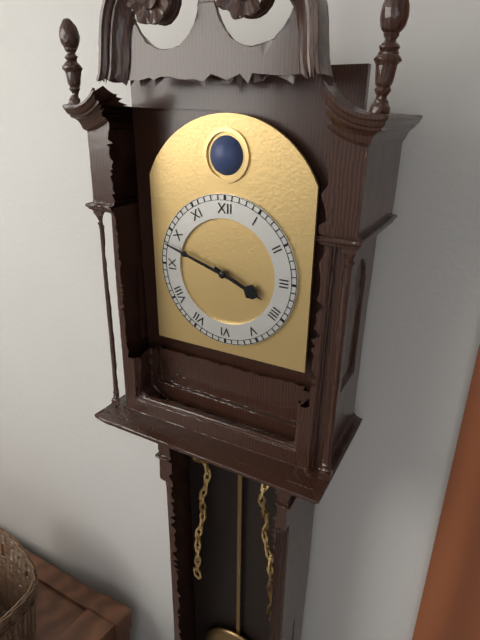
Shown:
3 h 48 min
